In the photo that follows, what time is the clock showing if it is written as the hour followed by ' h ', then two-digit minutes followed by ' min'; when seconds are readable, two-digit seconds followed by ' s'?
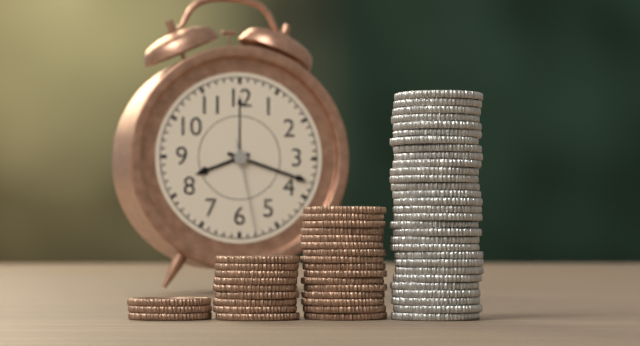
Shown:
8 h 18 min 28 s
